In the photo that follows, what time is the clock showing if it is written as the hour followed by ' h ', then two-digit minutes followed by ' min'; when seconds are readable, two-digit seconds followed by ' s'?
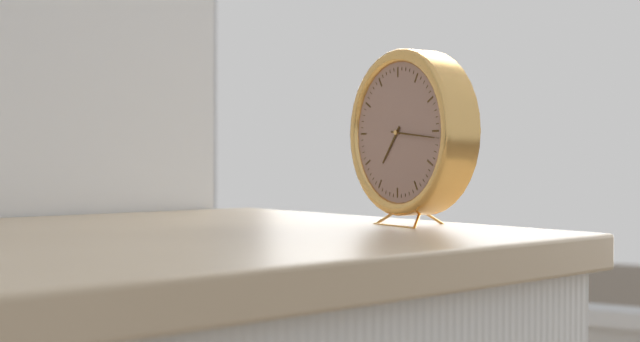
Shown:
7 h 16 min
